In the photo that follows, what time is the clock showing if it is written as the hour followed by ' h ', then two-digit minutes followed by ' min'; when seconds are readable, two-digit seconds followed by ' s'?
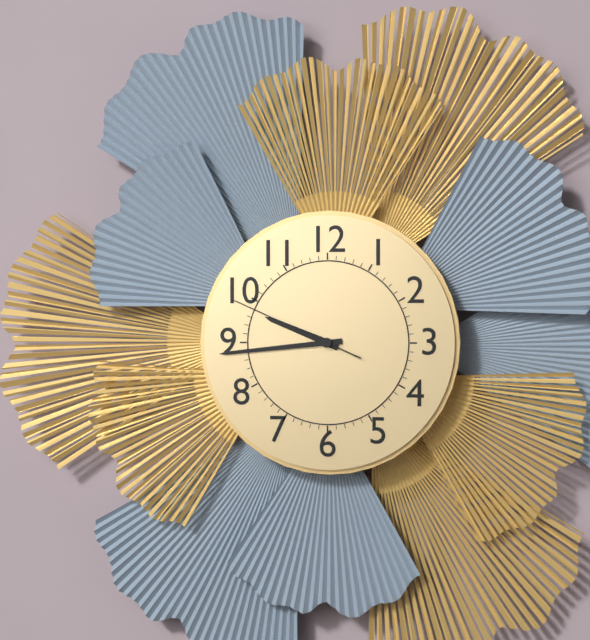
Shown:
9 h 44 min 49 s
